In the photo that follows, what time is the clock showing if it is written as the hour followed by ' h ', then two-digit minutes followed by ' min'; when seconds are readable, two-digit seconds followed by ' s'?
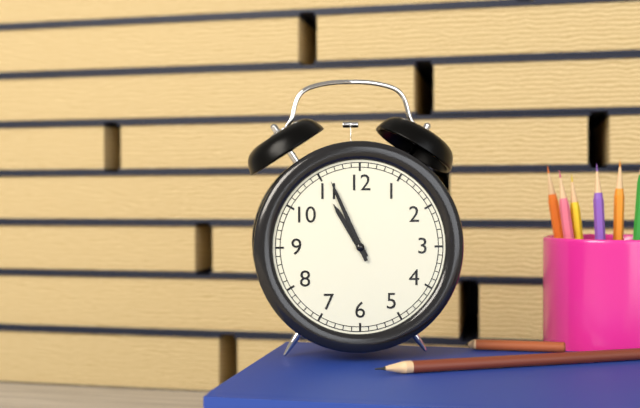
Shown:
10 h 56 min
